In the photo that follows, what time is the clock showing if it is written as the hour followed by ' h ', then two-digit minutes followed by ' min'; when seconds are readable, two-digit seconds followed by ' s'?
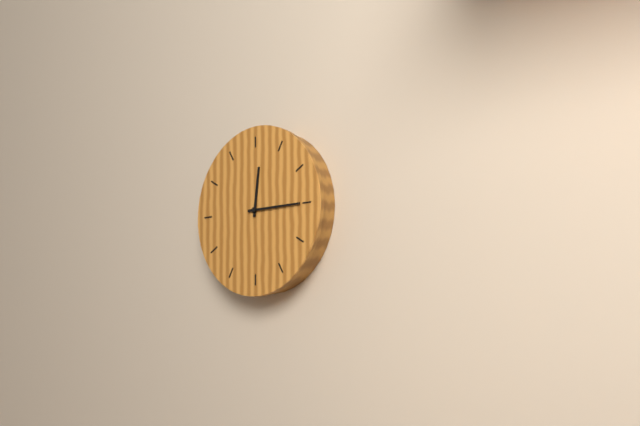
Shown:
12 h 15 min
